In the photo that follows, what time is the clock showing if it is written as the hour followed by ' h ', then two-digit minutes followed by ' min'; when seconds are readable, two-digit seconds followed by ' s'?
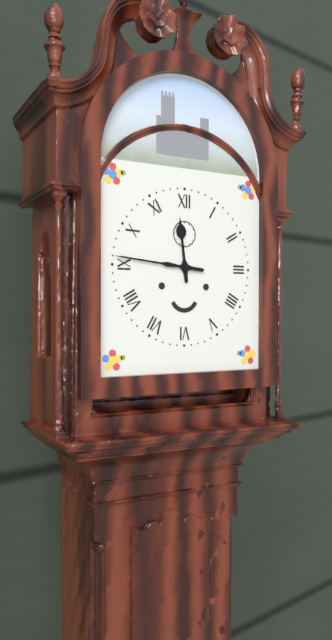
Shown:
11 h 46 min
